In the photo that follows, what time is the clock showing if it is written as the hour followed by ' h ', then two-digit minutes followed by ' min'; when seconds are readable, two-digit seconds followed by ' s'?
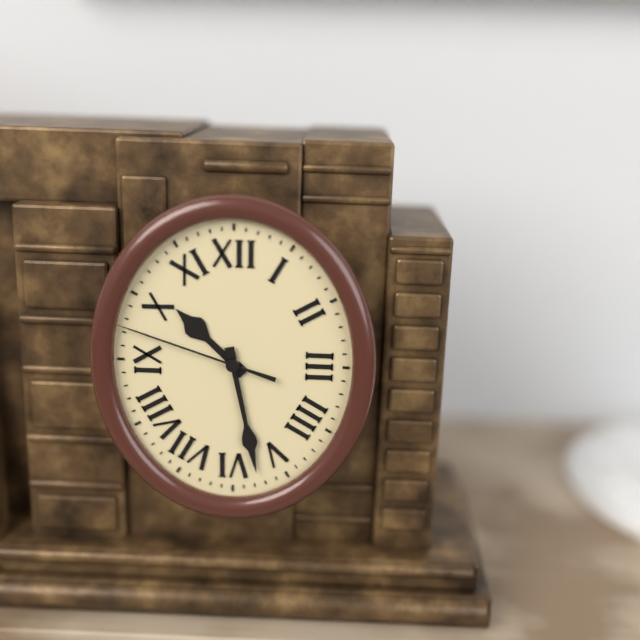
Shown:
10 h 28 min 48 s
